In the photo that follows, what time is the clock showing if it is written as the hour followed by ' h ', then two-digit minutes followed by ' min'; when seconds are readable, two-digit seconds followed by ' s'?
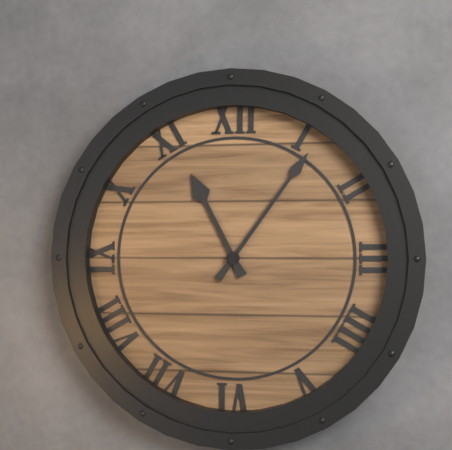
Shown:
11 h 06 min
